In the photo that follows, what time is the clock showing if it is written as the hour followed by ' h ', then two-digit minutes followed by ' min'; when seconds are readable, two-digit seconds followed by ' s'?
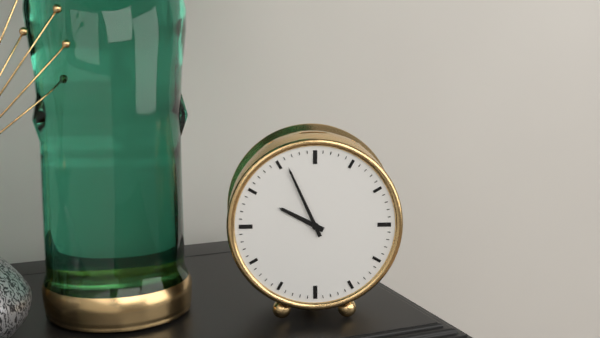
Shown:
9 h 56 min
